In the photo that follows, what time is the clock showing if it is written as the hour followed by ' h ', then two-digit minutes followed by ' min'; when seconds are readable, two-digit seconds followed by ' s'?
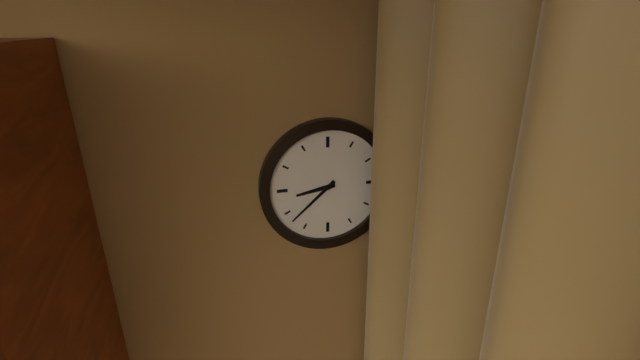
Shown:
8 h 38 min
